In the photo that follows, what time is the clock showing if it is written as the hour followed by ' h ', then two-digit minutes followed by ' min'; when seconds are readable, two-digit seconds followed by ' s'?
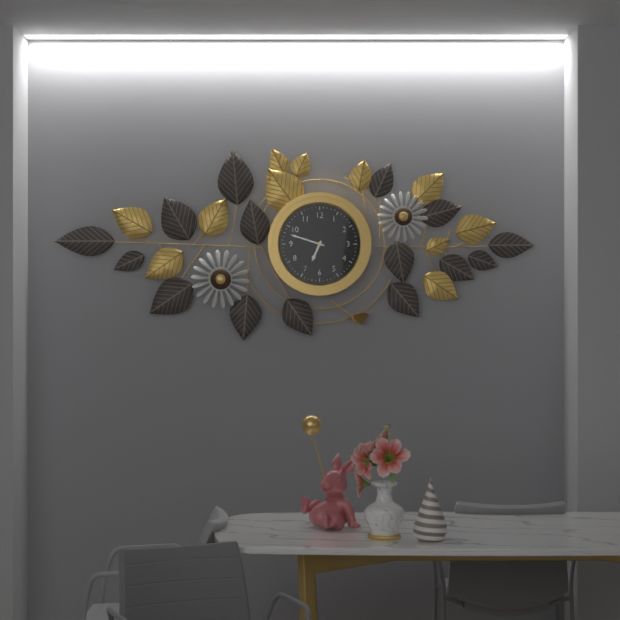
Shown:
6 h 48 min
